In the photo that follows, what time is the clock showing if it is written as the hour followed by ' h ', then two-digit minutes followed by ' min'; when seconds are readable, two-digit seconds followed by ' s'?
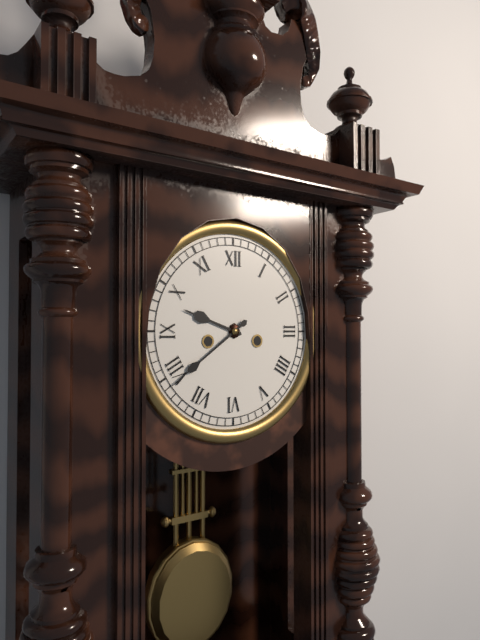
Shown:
9 h 39 min
